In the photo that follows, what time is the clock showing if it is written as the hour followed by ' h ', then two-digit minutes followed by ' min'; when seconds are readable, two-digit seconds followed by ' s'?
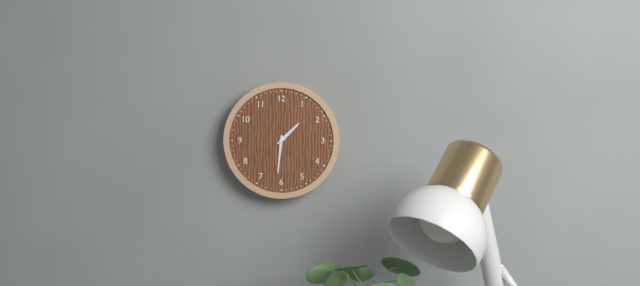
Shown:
1 h 31 min
